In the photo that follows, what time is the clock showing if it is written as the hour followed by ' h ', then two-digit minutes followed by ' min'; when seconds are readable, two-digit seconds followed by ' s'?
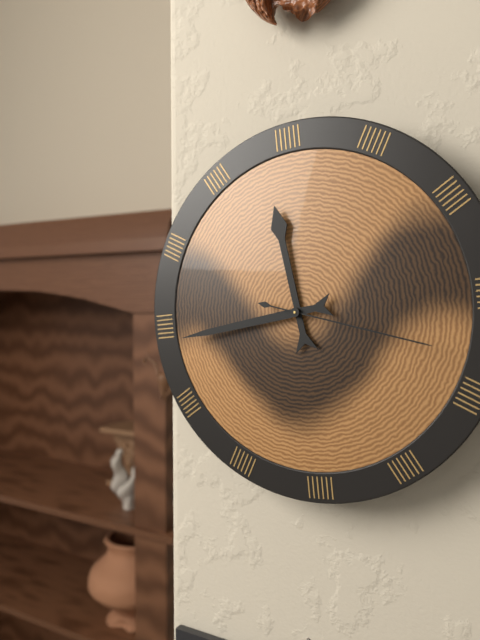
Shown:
11 h 44 min 18 s
